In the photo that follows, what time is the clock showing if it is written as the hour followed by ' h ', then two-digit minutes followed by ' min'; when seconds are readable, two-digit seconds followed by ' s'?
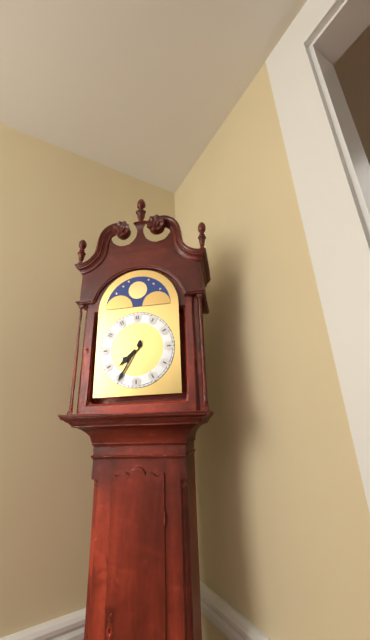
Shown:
7 h 35 min
